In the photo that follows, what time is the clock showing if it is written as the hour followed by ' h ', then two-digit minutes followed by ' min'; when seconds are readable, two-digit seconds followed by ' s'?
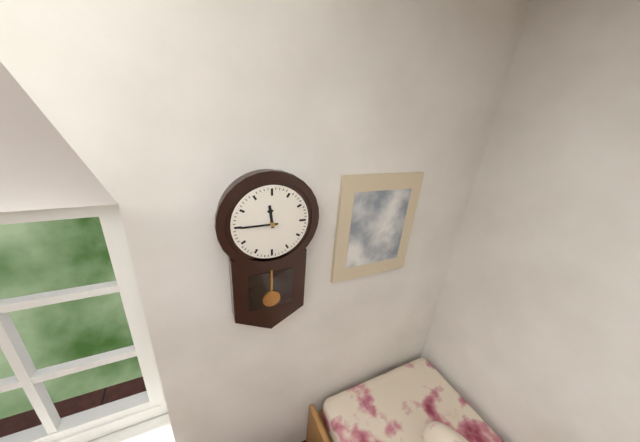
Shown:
11 h 45 min
